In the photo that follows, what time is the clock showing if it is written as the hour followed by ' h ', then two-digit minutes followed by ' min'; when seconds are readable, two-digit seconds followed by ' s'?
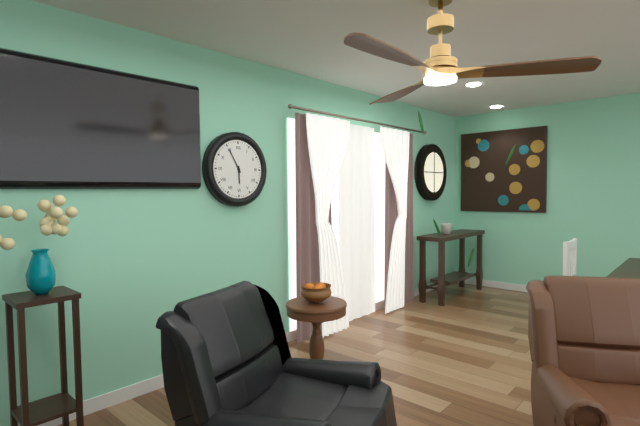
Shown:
5 h 55 min
